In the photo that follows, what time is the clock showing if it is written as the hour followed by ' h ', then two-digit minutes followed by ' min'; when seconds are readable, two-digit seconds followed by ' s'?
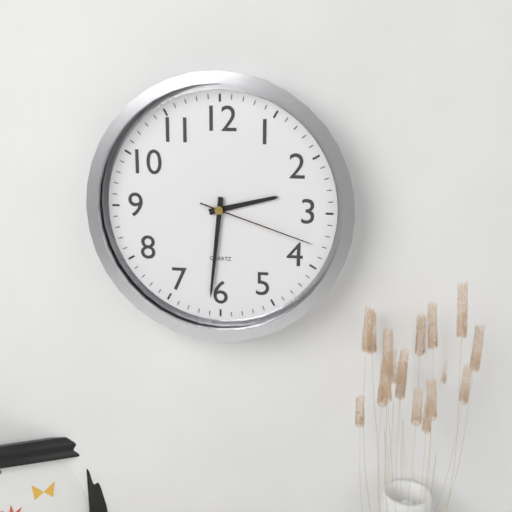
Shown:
2 h 31 min 18 s
